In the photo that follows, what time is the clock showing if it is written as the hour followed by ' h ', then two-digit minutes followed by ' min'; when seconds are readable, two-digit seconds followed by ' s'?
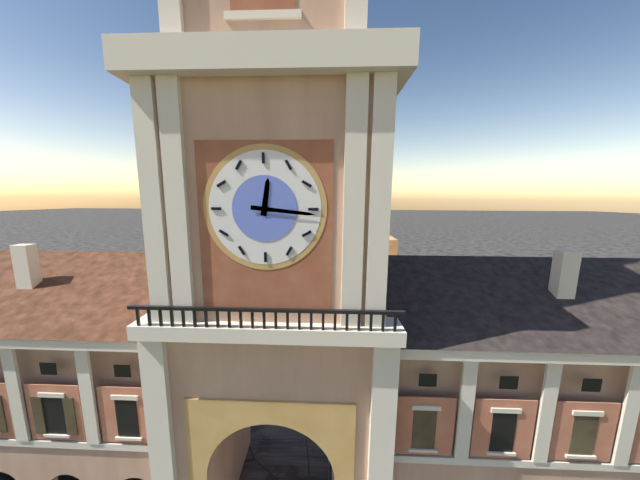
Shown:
12 h 16 min
